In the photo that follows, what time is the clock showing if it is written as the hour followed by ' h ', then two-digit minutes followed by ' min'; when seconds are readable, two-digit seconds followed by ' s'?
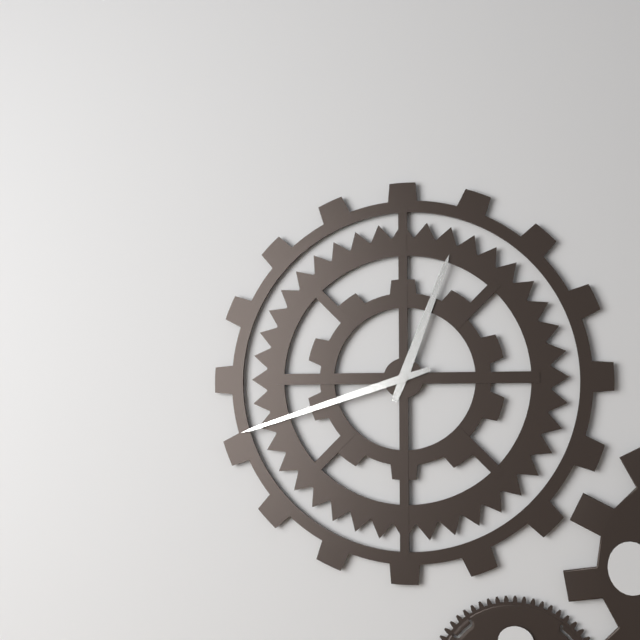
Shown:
12 h 42 min
